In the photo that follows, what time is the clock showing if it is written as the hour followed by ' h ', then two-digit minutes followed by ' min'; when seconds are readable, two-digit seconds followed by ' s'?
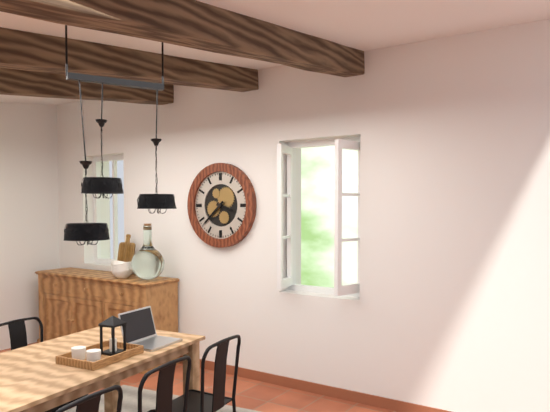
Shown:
3 h 38 min
